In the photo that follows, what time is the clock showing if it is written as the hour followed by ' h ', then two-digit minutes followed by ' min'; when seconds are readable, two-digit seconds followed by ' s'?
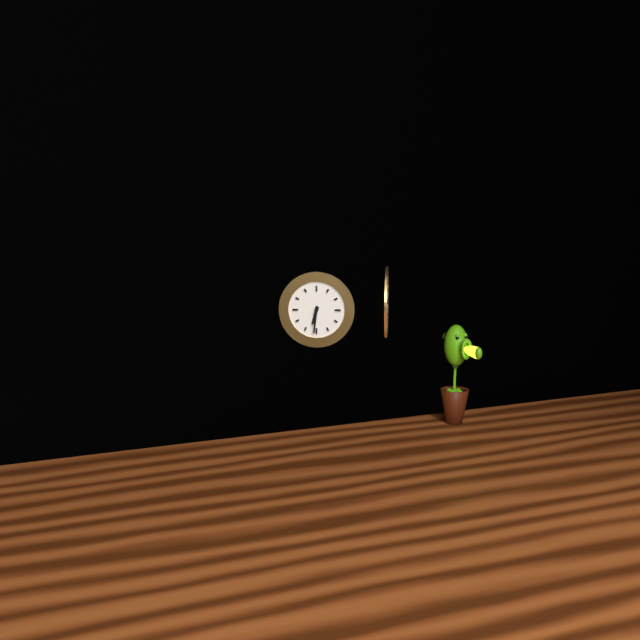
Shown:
6 h 31 min
